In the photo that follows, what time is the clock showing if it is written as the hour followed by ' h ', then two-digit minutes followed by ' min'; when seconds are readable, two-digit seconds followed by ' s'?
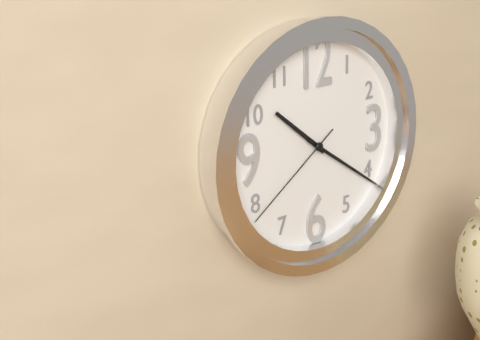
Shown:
10 h 21 min 39 s
